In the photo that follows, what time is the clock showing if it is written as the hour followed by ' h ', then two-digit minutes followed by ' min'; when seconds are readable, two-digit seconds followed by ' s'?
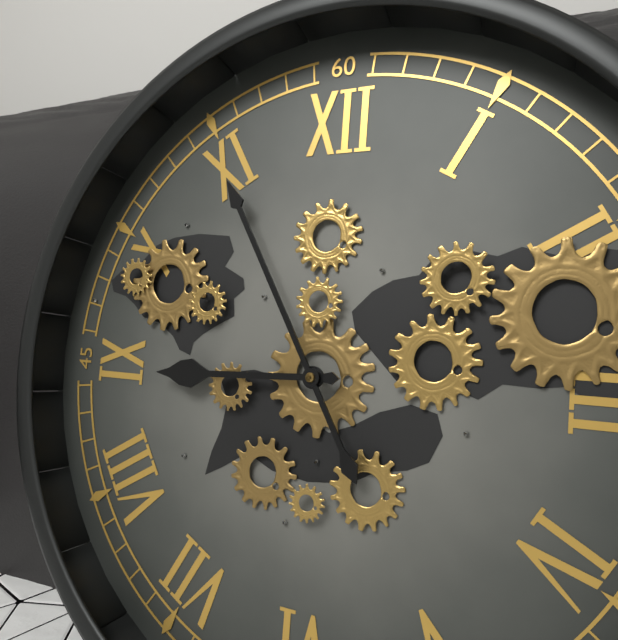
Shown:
8 h 55 min
